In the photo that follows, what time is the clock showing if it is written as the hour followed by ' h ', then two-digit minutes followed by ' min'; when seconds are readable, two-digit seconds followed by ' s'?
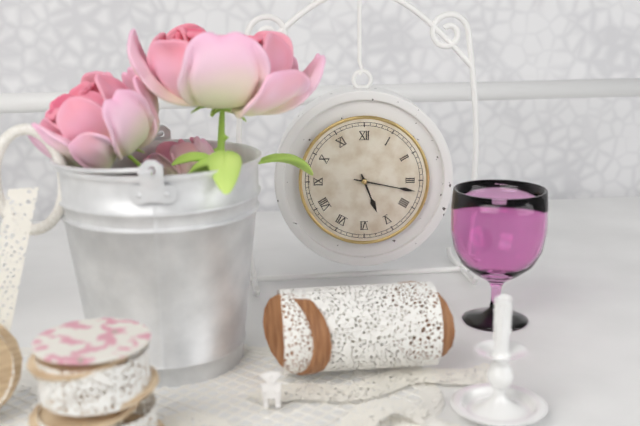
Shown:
5 h 17 min
